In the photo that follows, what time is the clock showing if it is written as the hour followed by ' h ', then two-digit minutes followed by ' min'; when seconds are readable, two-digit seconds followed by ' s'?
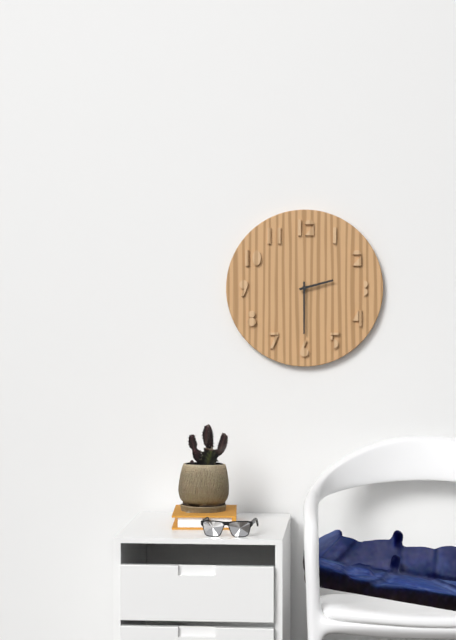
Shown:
2 h 30 min
